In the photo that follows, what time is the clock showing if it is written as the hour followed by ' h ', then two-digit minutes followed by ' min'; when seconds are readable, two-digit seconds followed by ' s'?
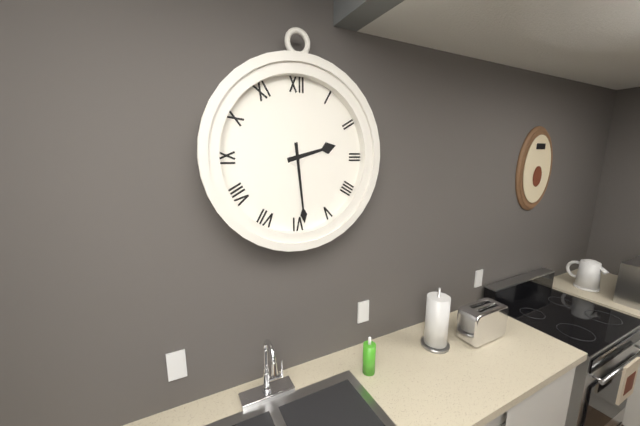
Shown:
2 h 29 min
